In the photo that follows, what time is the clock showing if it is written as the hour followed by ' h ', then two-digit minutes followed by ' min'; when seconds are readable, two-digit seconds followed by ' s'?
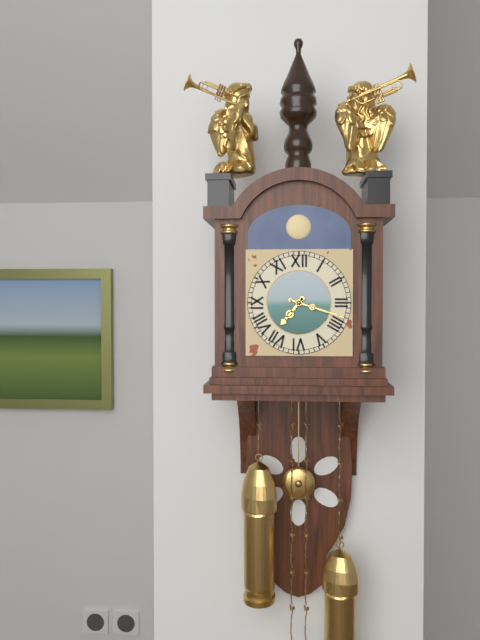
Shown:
7 h 18 min
